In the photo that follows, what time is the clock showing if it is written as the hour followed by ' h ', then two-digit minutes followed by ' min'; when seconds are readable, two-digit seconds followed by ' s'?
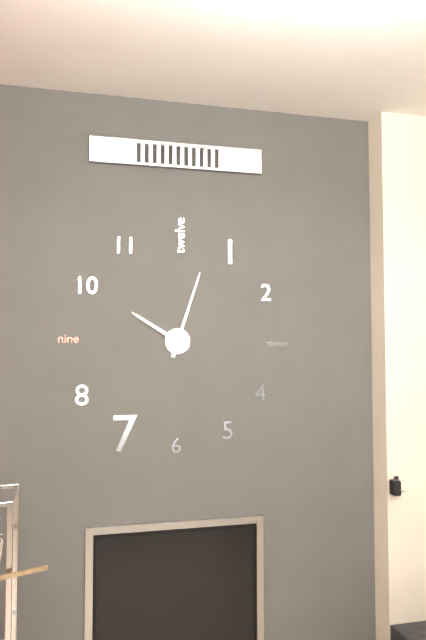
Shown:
10 h 03 min
